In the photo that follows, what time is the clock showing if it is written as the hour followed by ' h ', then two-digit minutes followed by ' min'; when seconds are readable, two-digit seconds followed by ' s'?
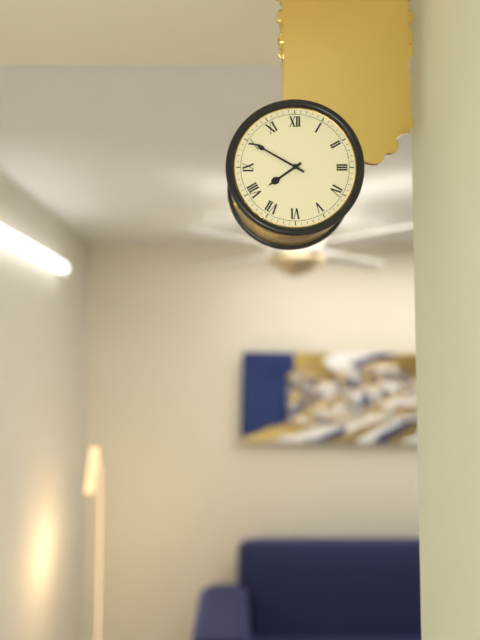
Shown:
7 h 50 min
